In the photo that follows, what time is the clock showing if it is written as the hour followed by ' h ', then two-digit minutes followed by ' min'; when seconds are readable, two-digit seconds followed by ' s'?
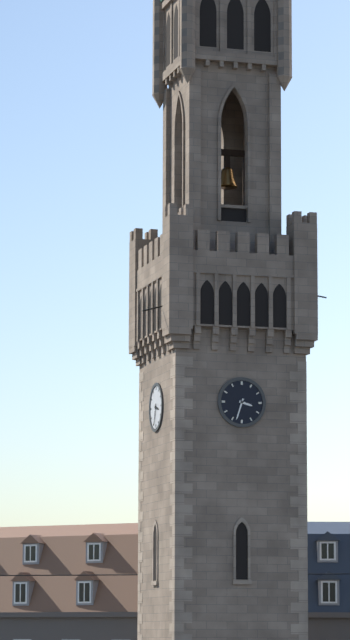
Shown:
3 h 33 min
